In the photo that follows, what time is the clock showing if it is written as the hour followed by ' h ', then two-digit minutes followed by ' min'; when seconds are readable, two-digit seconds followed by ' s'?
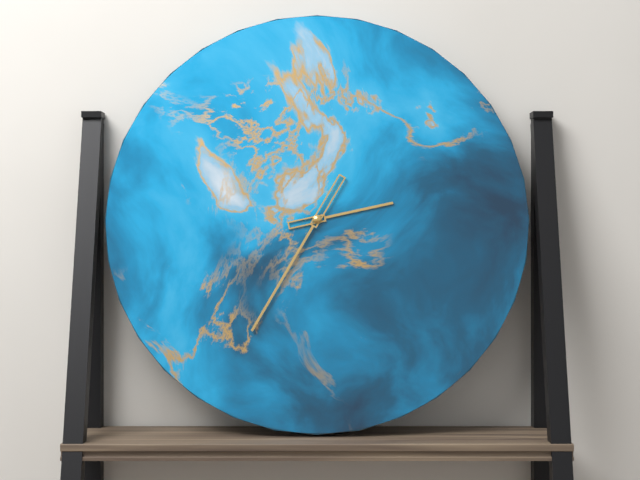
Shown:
2 h 35 min
